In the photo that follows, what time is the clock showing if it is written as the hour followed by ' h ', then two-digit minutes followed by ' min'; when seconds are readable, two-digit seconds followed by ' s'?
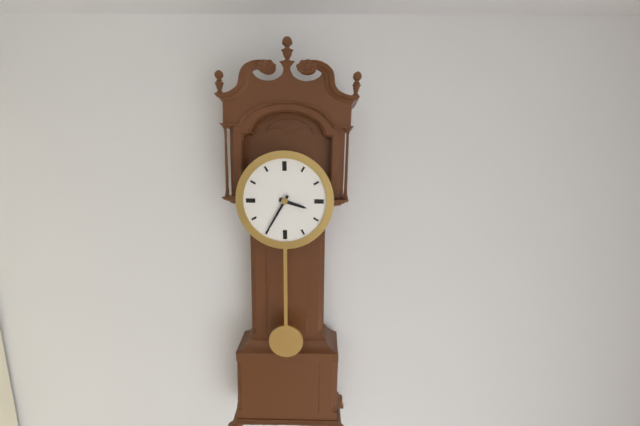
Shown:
3 h 35 min
